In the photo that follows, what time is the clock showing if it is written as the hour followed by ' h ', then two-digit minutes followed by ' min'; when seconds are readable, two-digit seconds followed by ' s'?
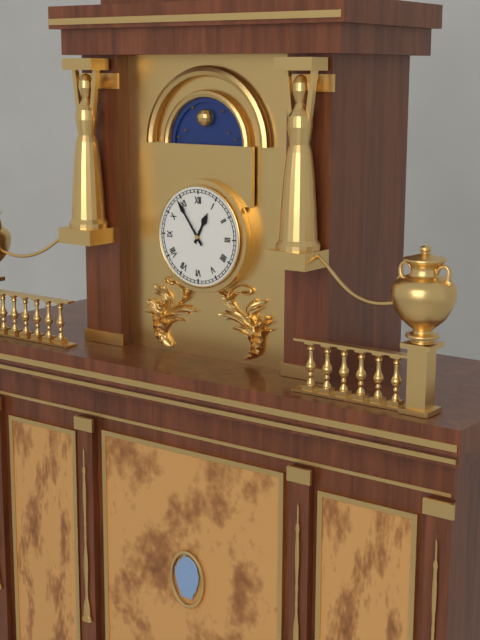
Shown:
12 h 54 min
